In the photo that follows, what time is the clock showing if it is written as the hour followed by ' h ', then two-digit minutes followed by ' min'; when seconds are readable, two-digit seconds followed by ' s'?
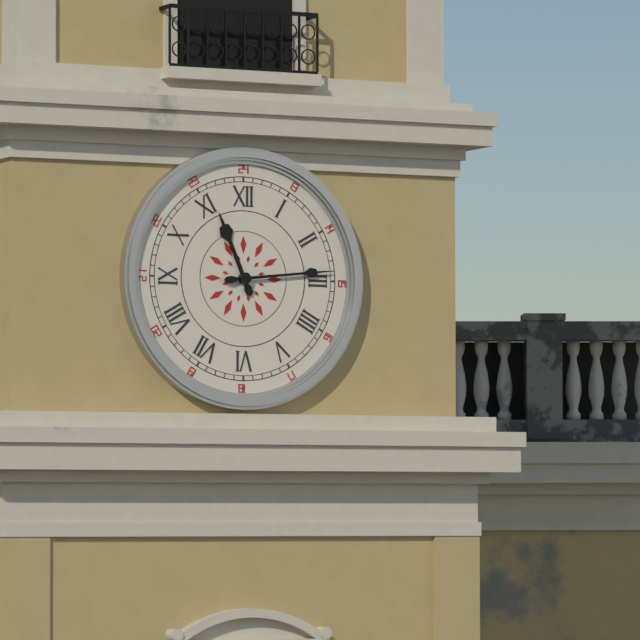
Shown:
11 h 14 min
